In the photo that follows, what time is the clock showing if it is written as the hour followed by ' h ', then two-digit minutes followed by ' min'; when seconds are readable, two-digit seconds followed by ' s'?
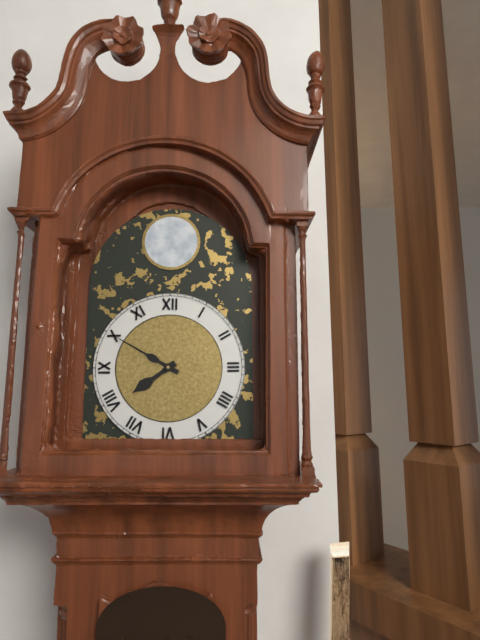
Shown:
7 h 50 min
